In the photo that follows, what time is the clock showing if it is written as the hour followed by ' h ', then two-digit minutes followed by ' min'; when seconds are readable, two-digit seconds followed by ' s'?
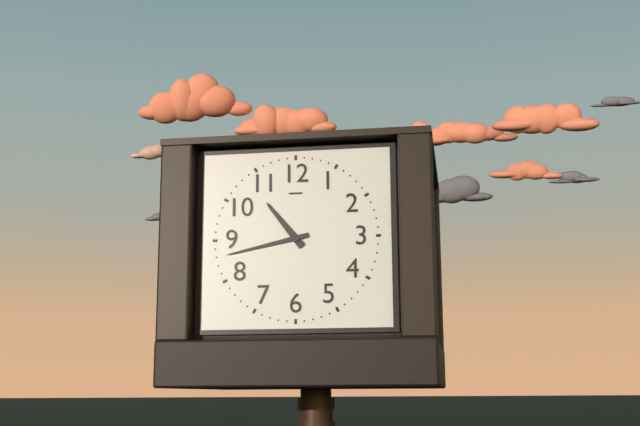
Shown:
10 h 43 min
